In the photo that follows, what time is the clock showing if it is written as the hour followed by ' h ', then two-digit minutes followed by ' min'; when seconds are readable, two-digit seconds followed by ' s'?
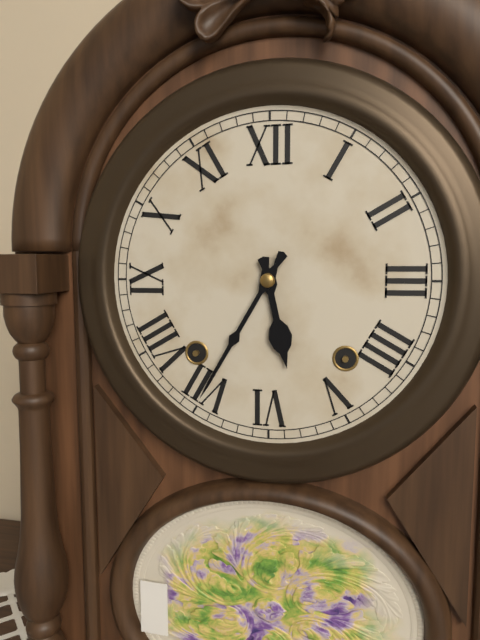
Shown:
5 h 35 min
